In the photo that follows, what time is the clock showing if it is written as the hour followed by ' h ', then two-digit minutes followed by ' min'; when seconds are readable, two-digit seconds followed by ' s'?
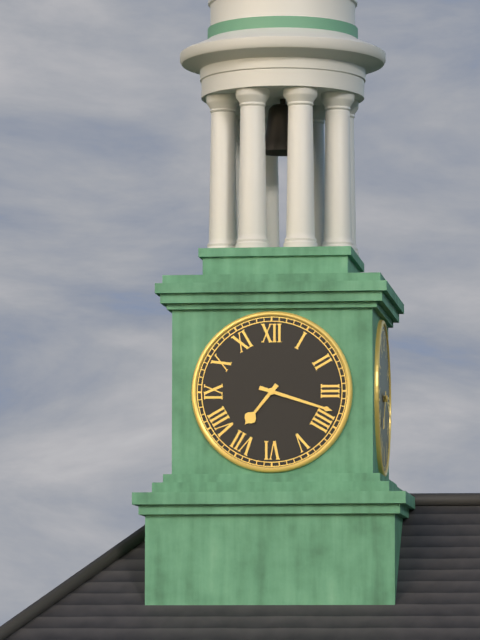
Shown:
7 h 18 min
